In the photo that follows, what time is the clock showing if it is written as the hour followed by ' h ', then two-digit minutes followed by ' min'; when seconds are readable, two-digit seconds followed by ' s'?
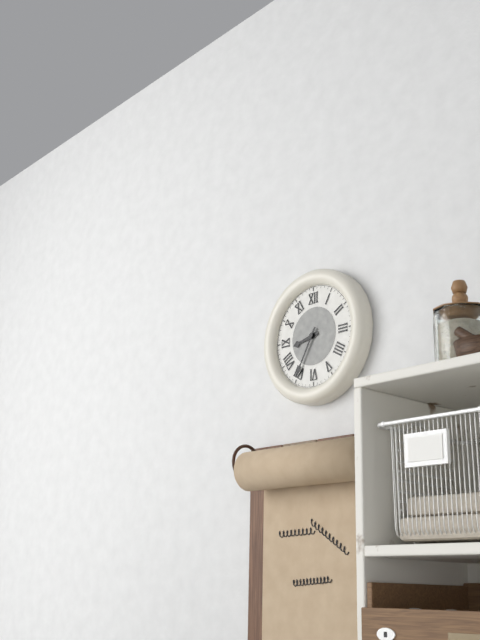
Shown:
8 h 35 min
